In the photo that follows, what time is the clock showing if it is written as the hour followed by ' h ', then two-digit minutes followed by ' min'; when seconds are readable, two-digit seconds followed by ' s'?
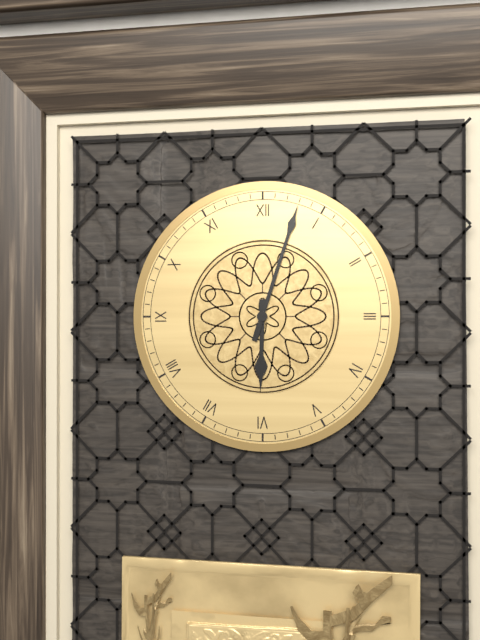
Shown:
6 h 03 min
